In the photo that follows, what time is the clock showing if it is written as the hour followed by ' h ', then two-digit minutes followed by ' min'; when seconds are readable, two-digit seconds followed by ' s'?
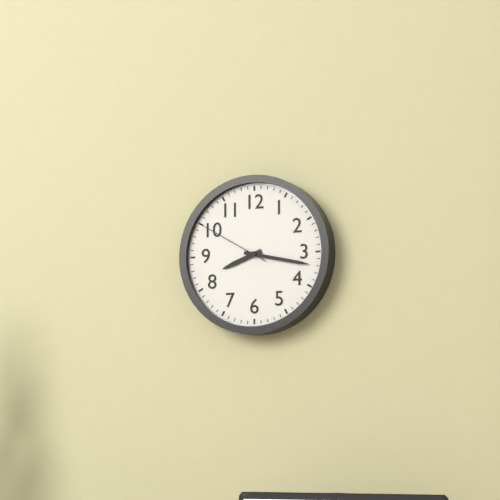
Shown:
8 h 17 min 50 s
